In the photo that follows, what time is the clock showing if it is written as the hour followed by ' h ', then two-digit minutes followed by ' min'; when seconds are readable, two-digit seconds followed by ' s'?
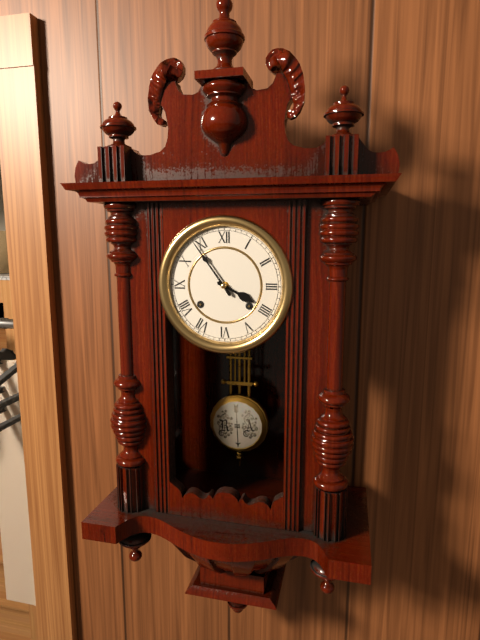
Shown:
3 h 54 min
